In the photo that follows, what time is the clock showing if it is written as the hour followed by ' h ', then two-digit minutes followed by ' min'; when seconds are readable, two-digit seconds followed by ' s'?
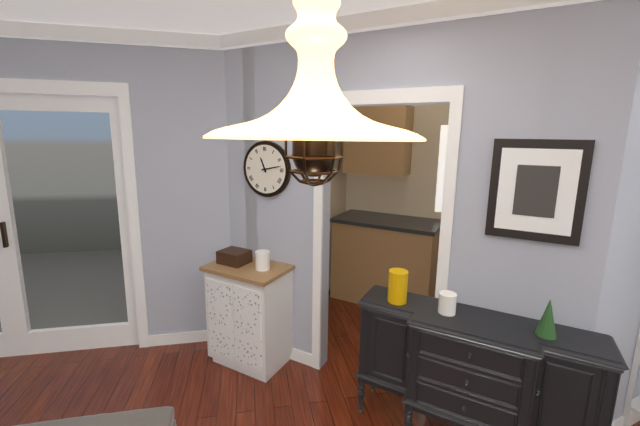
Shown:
11 h 13 min
